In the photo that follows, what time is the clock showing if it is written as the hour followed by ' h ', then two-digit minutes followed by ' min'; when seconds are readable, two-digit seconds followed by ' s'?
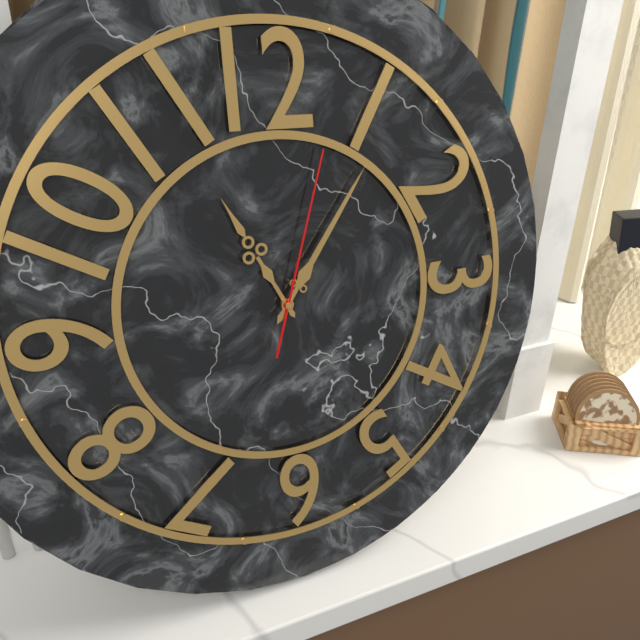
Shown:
11 h 06 min 03 s
